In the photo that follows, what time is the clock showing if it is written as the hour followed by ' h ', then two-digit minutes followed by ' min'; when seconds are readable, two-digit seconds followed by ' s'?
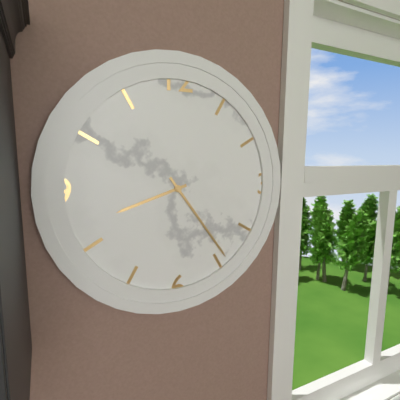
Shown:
8 h 24 min
